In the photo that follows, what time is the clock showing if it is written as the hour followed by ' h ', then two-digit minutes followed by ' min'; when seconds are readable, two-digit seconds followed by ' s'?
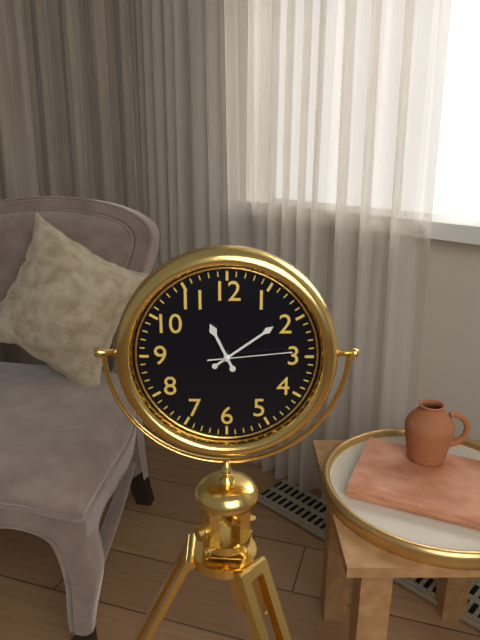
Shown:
11 h 09 min 14 s
